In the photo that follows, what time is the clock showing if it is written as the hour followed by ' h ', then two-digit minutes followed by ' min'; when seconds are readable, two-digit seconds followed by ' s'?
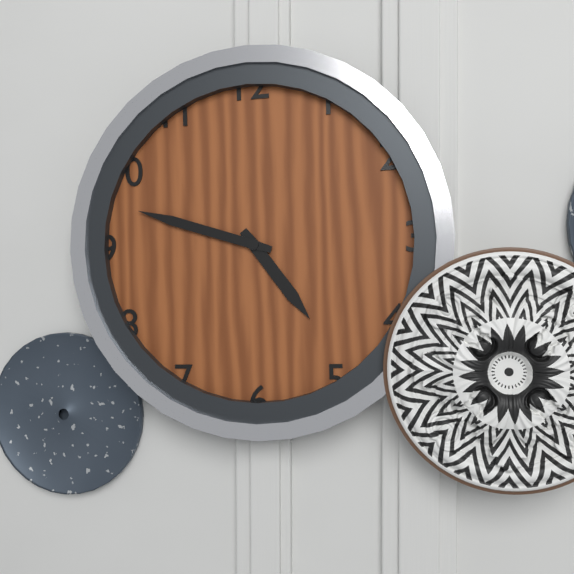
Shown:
4 h 48 min
